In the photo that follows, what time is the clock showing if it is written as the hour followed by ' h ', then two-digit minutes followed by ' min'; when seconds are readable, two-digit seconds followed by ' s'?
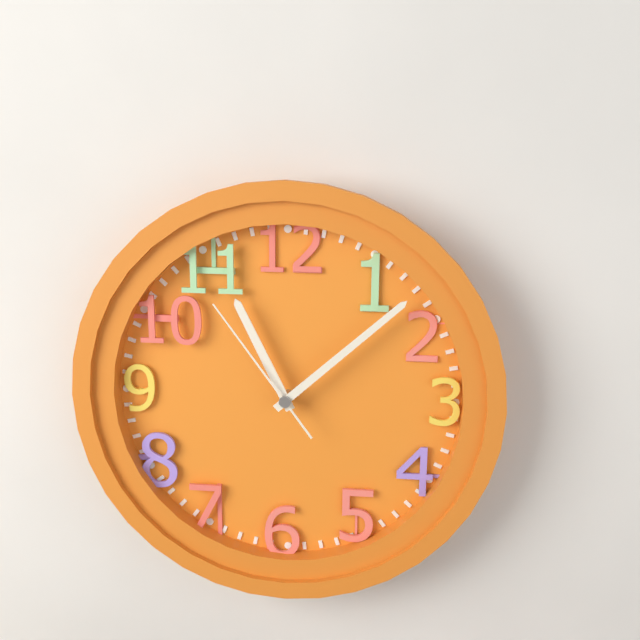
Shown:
11 h 08 min 54 s
